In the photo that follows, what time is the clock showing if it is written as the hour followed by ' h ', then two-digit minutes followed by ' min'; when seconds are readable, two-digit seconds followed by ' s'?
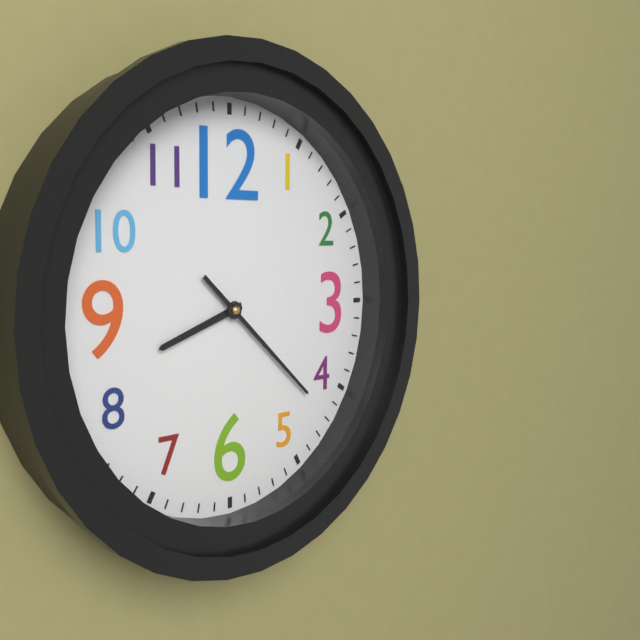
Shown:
8 h 22 min
